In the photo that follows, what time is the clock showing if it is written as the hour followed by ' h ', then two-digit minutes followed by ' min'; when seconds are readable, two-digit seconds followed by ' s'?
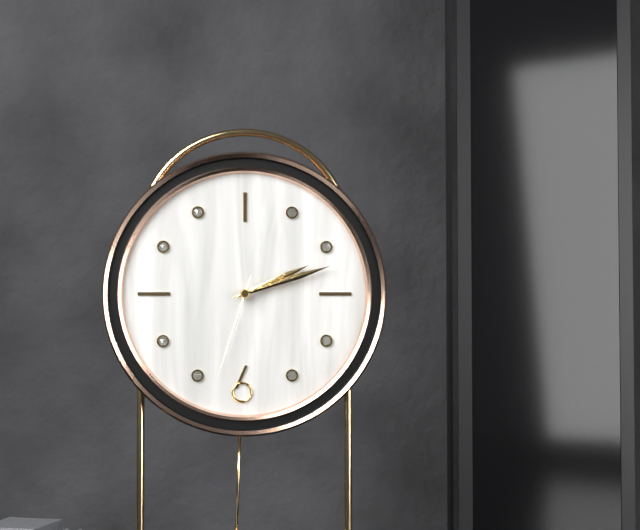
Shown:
2 h 12 min 33 s
